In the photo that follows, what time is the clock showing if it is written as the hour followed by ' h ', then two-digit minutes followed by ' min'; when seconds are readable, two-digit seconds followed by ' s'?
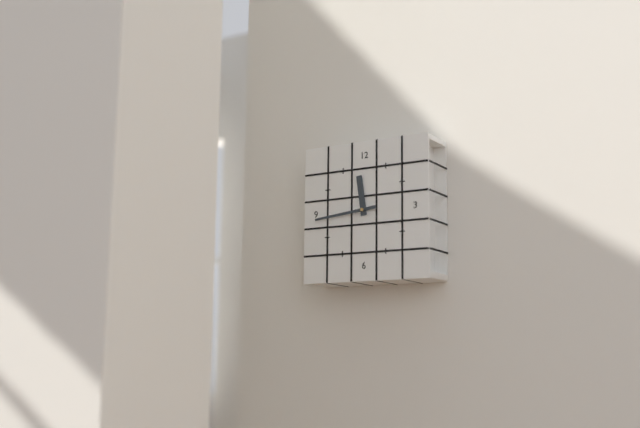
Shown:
11 h 44 min
